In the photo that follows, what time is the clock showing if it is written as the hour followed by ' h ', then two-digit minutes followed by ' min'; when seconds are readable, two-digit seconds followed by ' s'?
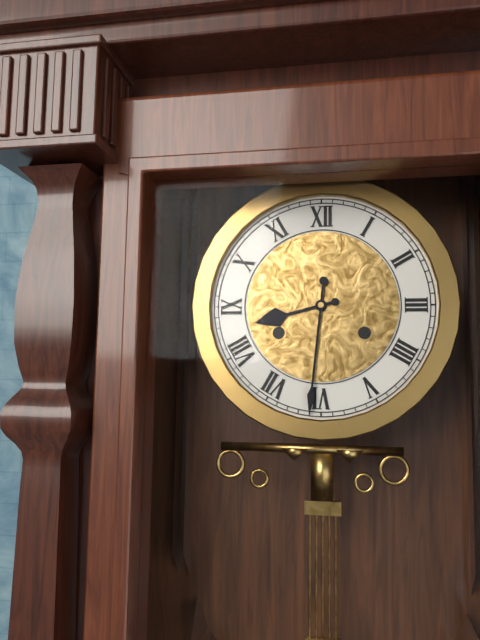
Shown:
8 h 31 min
